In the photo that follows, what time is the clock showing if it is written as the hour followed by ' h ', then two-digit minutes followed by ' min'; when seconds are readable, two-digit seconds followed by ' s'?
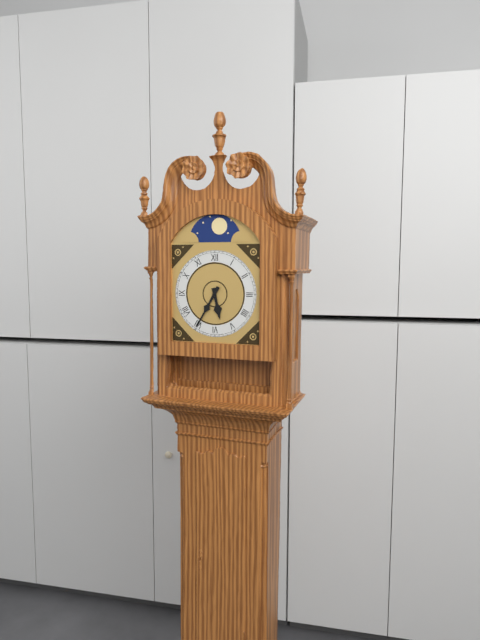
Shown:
5 h 35 min
